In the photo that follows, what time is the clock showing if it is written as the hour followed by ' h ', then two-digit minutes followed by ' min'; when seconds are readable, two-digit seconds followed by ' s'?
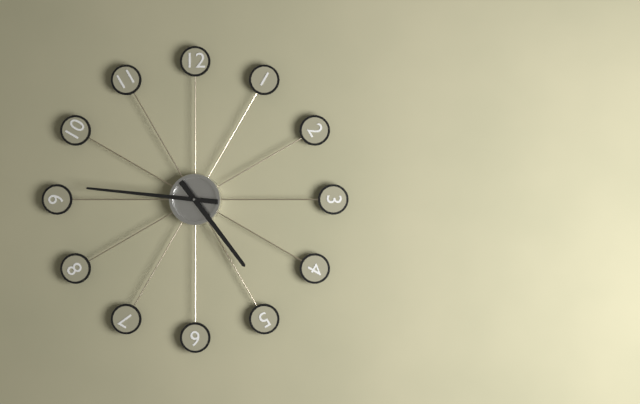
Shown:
4 h 46 min
